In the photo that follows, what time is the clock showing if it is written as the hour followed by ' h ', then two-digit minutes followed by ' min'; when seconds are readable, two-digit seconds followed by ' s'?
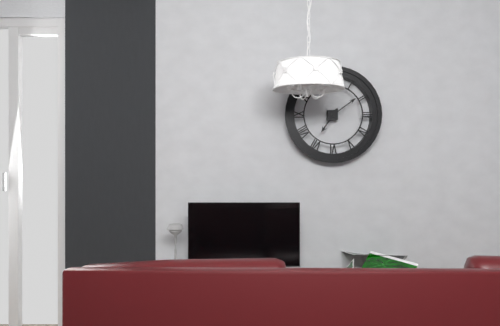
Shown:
7 h 09 min
